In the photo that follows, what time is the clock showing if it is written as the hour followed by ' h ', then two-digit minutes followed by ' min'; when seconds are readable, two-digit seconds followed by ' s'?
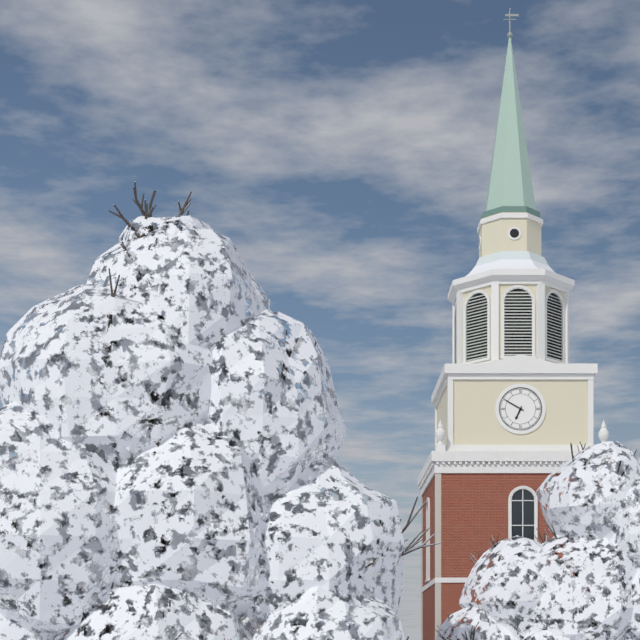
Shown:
6 h 50 min
